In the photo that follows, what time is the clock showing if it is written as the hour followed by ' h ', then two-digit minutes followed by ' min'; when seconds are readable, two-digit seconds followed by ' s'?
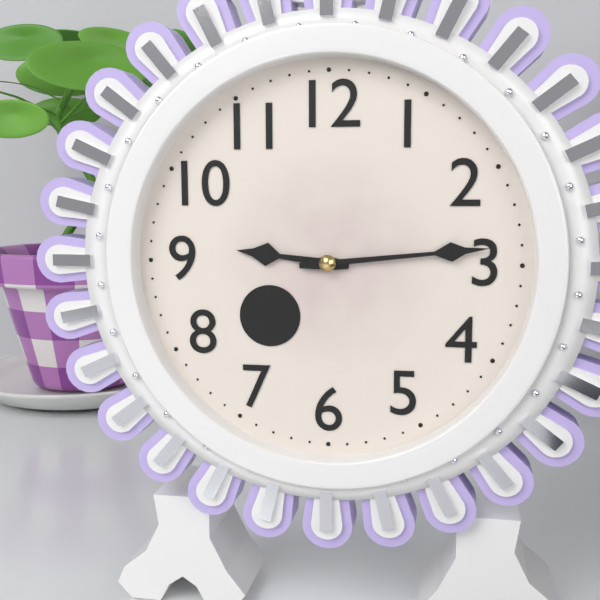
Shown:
9 h 14 min
